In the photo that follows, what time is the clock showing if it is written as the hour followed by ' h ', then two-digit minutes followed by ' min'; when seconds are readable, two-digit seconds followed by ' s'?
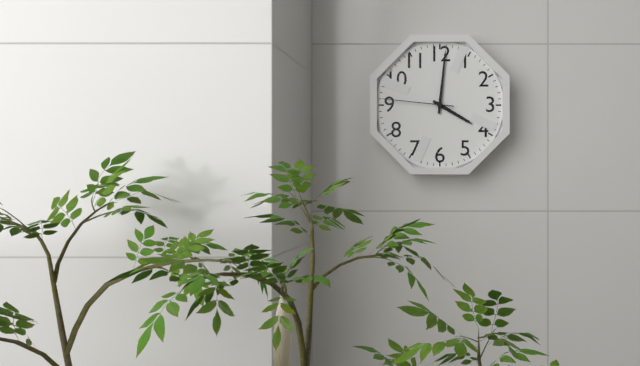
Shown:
4 h 01 min 46 s
